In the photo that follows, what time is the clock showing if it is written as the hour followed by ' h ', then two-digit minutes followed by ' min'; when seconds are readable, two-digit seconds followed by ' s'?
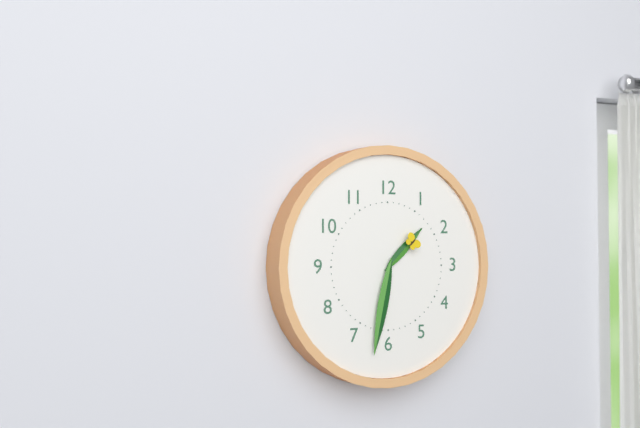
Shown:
1 h 32 min
